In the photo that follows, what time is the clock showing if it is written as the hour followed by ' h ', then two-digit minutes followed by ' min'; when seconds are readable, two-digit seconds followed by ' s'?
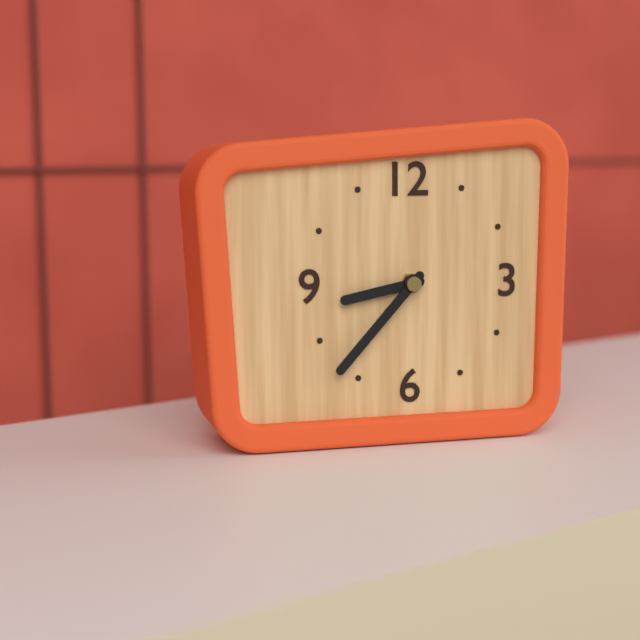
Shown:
8 h 37 min
